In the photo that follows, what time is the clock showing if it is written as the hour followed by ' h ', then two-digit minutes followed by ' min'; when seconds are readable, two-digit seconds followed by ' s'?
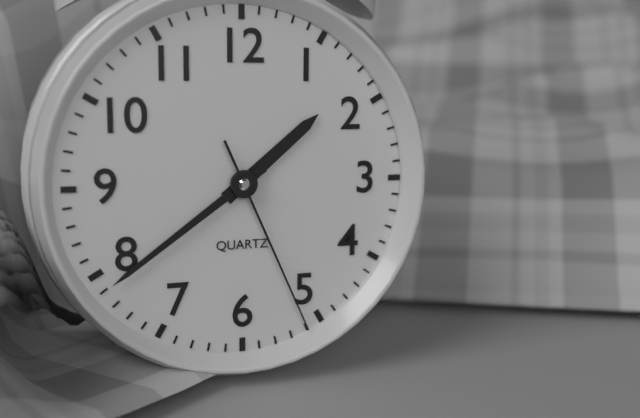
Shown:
1 h 39 min 26 s
